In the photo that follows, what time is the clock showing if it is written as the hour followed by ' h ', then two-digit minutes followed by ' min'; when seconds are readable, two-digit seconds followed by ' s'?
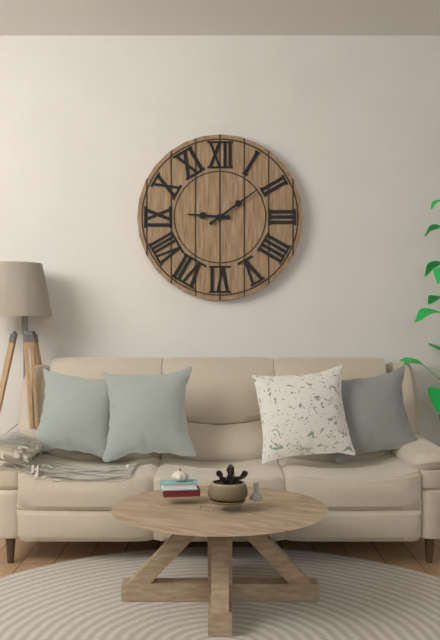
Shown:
9 h 09 min
